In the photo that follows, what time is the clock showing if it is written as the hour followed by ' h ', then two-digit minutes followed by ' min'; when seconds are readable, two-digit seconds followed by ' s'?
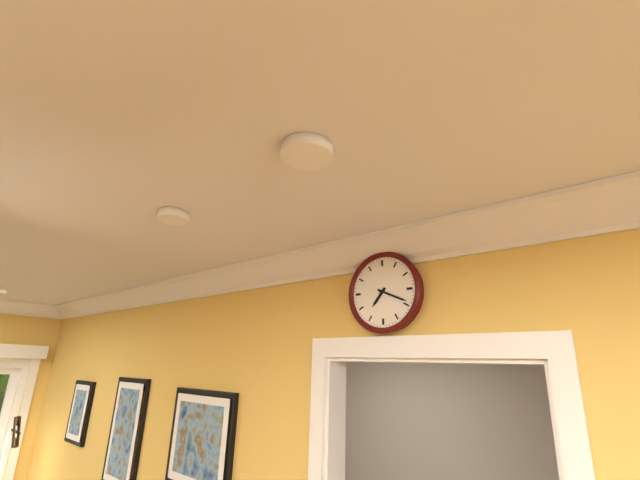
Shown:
7 h 19 min
